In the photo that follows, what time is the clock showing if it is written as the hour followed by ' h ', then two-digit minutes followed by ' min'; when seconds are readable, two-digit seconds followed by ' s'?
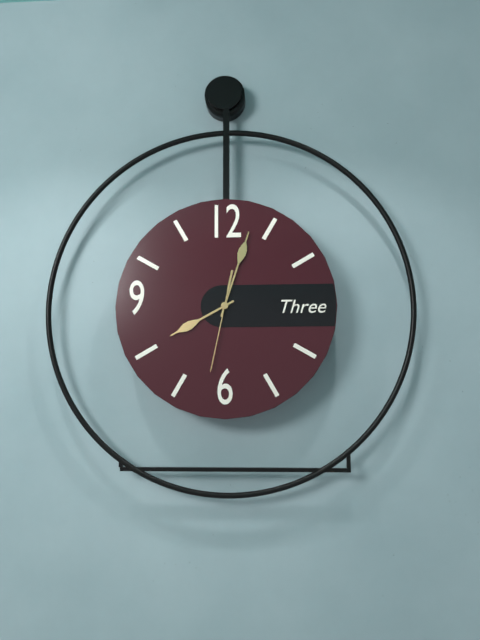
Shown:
8 h 03 min 32 s
